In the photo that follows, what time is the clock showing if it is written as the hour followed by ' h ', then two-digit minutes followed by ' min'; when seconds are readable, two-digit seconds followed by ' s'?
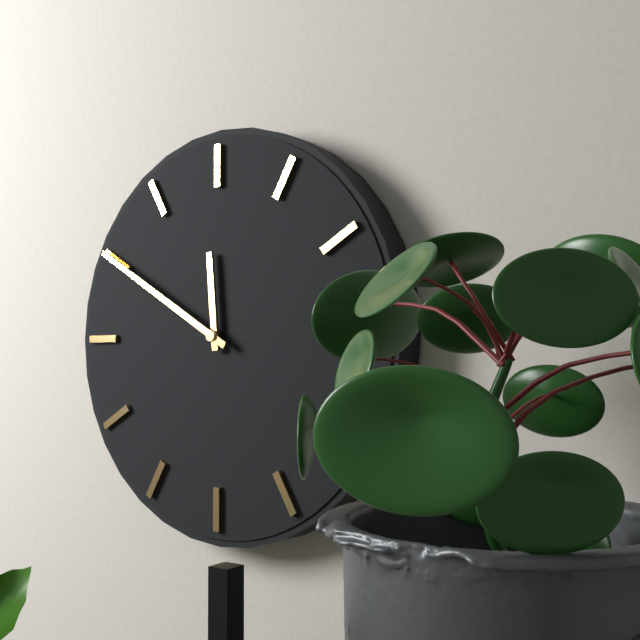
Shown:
11 h 50 min
